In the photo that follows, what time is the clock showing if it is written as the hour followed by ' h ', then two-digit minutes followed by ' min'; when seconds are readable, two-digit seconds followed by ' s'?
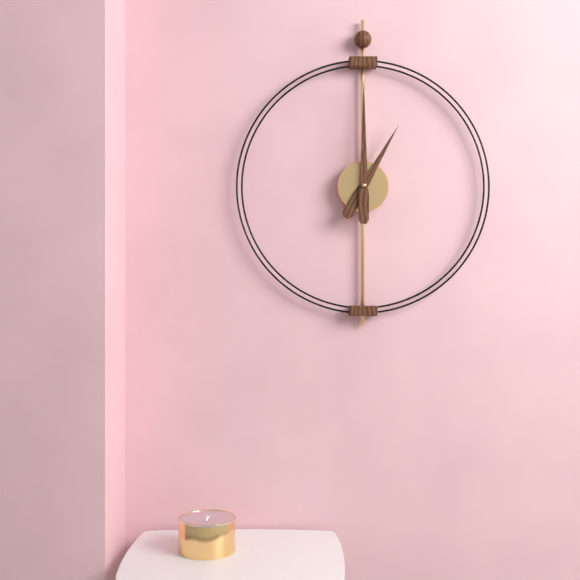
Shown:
1 h 00 min
